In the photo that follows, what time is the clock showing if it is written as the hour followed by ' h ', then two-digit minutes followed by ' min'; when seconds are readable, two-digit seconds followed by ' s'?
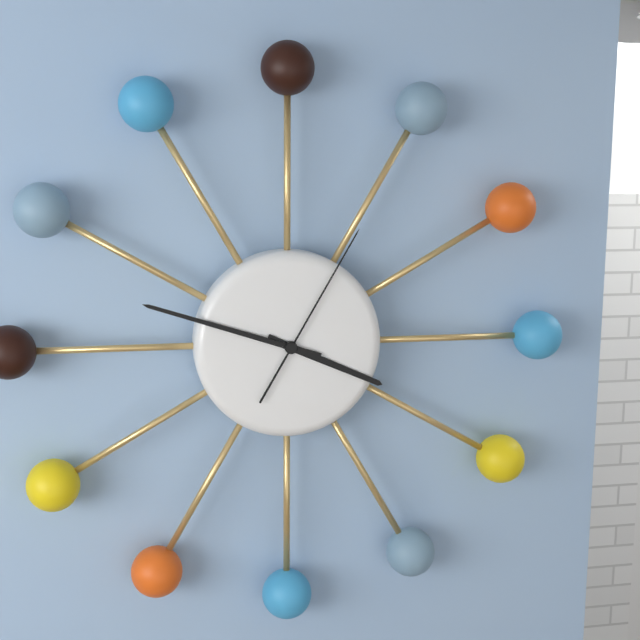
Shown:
3 h 48 min 05 s
